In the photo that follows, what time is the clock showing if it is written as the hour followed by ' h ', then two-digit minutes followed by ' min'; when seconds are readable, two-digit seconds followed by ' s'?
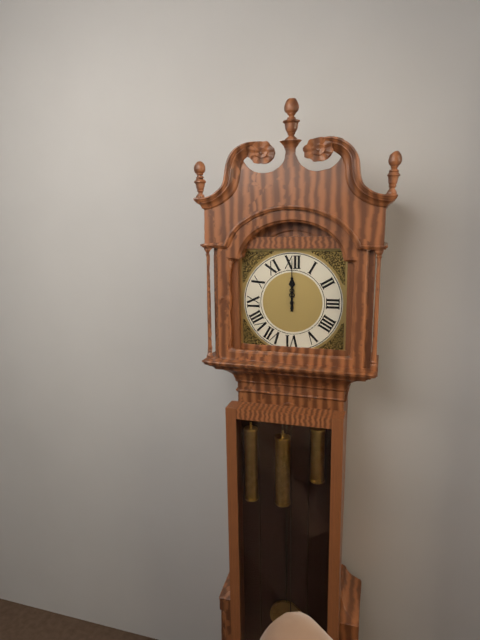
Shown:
12 h 00 min
